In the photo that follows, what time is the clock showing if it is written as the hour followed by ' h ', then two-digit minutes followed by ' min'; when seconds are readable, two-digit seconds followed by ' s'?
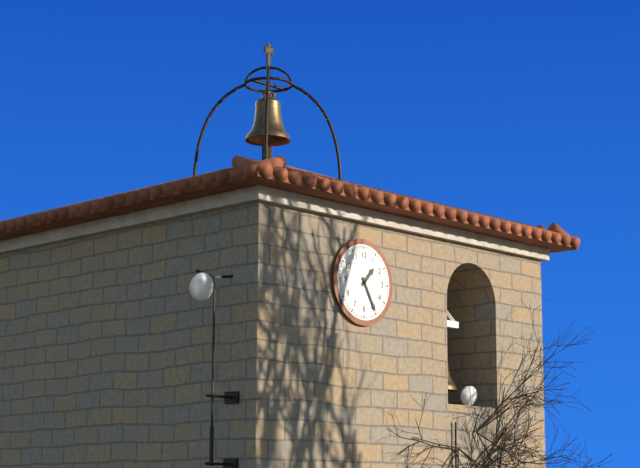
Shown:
1 h 25 min
